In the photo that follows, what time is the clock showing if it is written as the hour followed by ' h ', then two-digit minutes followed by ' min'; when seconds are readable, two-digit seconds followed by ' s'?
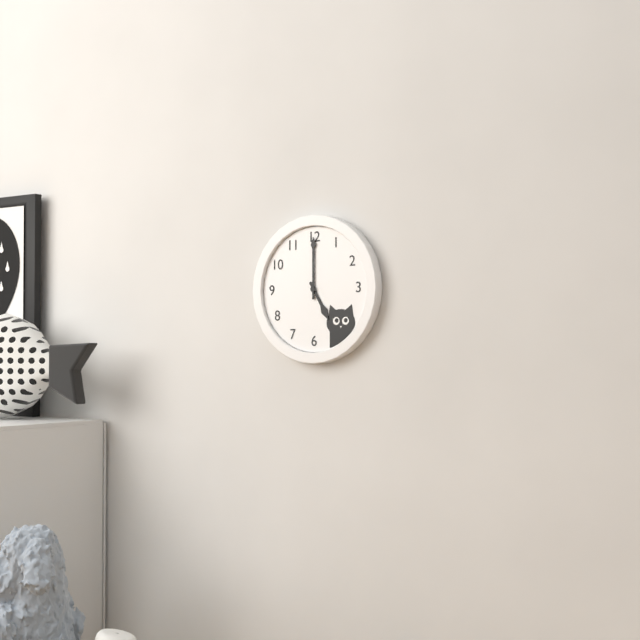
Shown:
5 h 00 min
